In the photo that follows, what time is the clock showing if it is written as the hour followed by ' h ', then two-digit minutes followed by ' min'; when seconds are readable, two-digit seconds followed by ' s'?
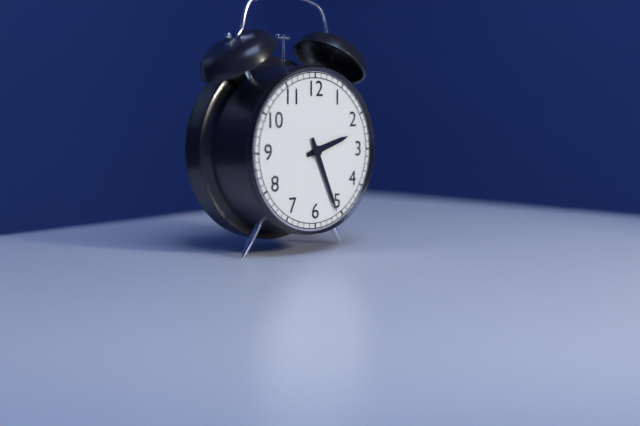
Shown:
2 h 26 min
